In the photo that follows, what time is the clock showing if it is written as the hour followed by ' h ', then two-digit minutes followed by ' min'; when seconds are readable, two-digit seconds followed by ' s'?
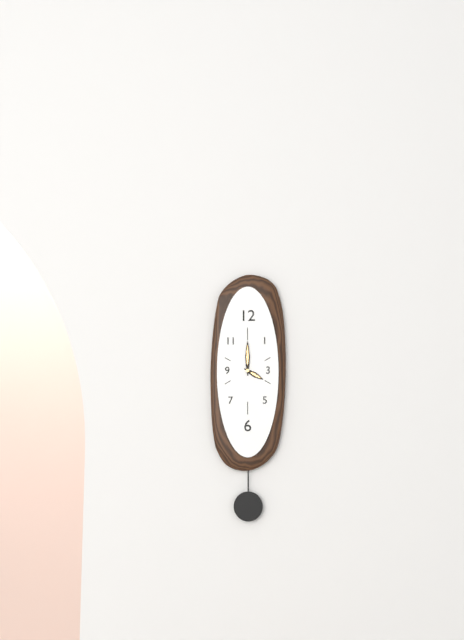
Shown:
4 h 00 min
